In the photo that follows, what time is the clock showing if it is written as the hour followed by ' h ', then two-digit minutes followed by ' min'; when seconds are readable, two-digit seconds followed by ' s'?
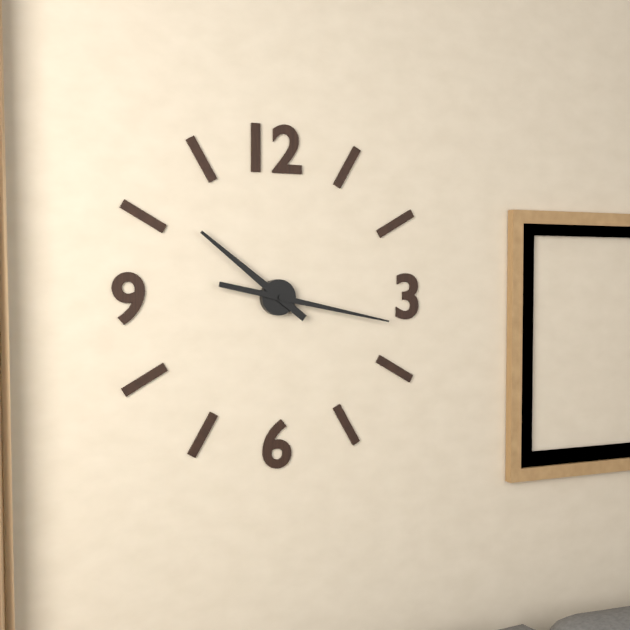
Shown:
10 h 17 min
